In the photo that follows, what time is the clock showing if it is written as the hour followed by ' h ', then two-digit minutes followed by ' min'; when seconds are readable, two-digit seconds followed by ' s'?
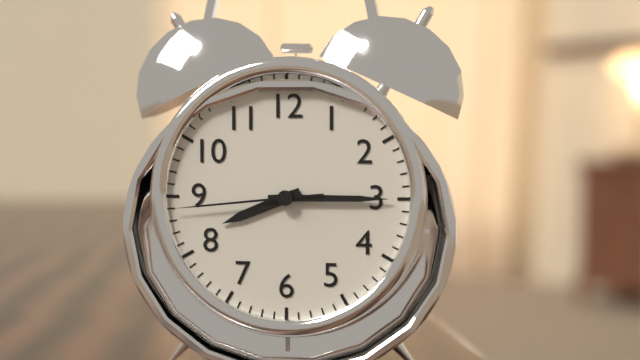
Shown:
8 h 15 min 44 s
